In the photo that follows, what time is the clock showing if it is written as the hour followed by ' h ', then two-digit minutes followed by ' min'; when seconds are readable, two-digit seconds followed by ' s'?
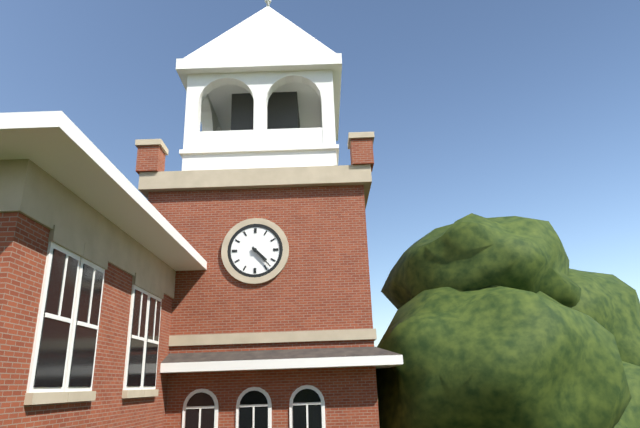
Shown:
4 h 23 min
